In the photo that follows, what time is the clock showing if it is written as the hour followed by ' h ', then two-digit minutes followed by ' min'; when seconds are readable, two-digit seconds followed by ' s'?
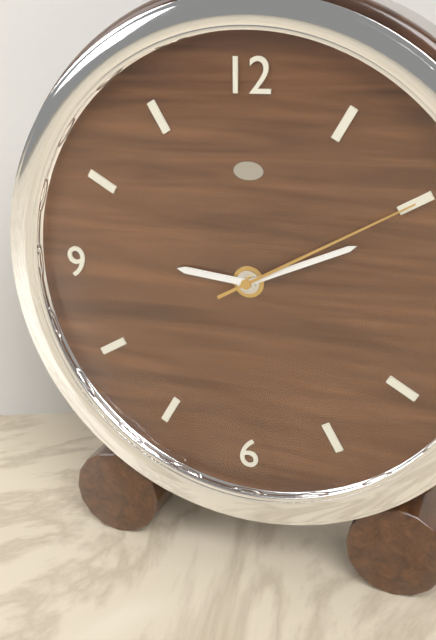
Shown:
9 h 11 min 10 s
